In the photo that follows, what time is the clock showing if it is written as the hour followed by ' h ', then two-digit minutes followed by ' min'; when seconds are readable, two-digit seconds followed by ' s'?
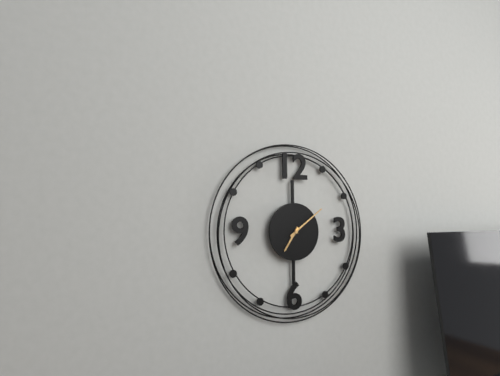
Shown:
7 h 09 min
